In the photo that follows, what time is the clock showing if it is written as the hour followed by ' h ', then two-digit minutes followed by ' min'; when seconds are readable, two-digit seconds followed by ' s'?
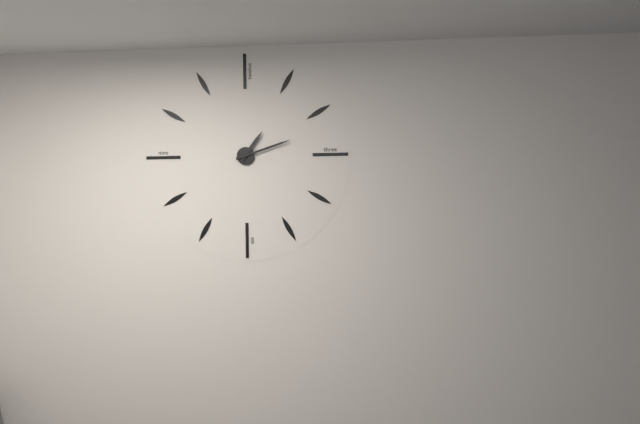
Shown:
1 h 12 min
